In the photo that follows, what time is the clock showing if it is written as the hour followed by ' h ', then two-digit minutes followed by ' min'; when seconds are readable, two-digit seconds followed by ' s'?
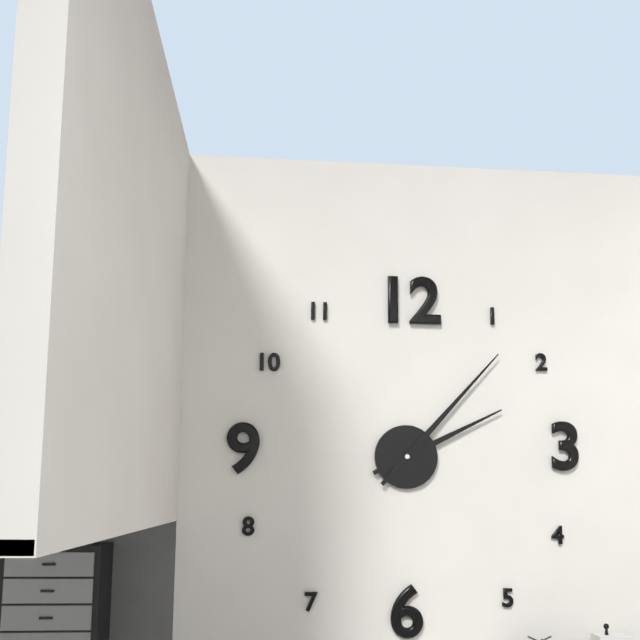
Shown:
2 h 07 min
